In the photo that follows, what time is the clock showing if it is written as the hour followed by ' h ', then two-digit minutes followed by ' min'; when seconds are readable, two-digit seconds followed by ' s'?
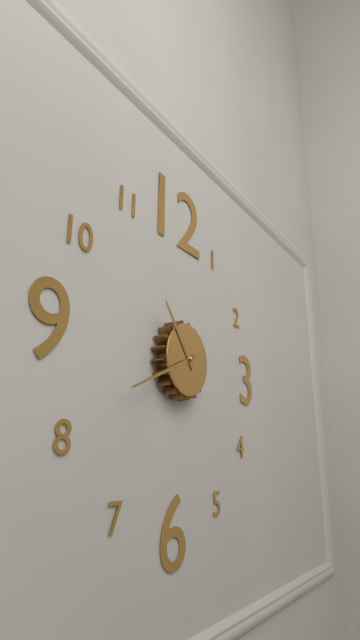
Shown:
10 h 41 min
